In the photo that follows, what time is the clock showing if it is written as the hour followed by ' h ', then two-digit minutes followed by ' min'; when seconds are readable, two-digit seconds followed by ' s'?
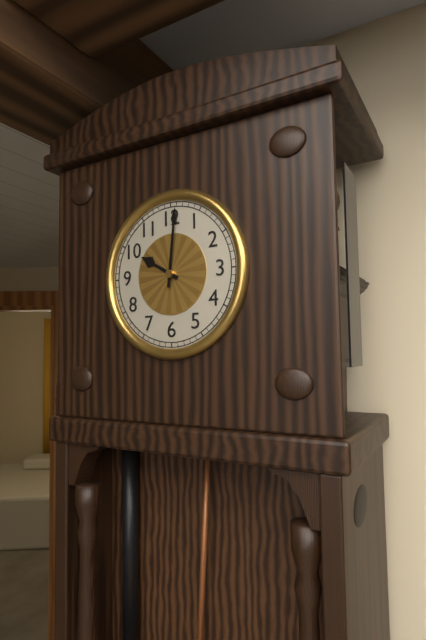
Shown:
10 h 01 min
